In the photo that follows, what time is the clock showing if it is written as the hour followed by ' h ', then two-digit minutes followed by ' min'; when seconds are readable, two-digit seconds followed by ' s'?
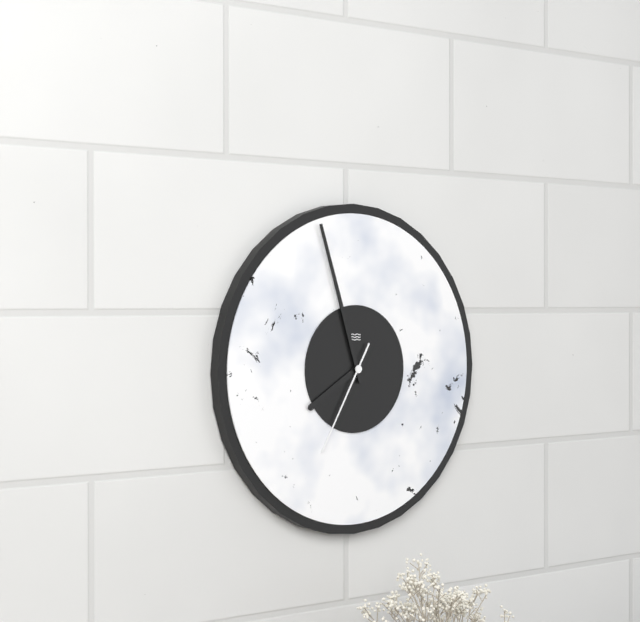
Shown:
7 h 57 min 35 s
